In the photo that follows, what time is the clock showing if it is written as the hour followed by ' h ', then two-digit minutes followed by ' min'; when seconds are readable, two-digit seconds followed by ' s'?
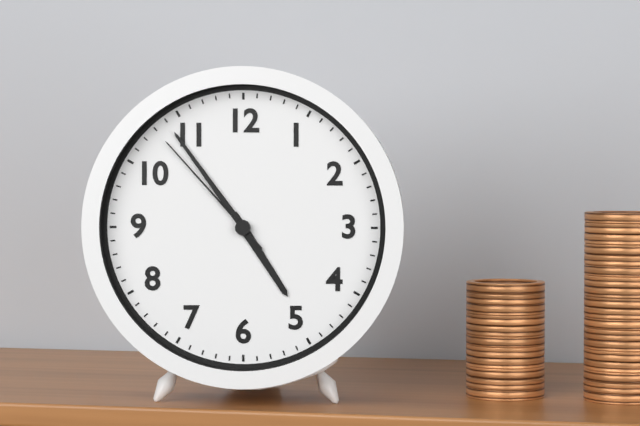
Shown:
4 h 54 min 53 s
